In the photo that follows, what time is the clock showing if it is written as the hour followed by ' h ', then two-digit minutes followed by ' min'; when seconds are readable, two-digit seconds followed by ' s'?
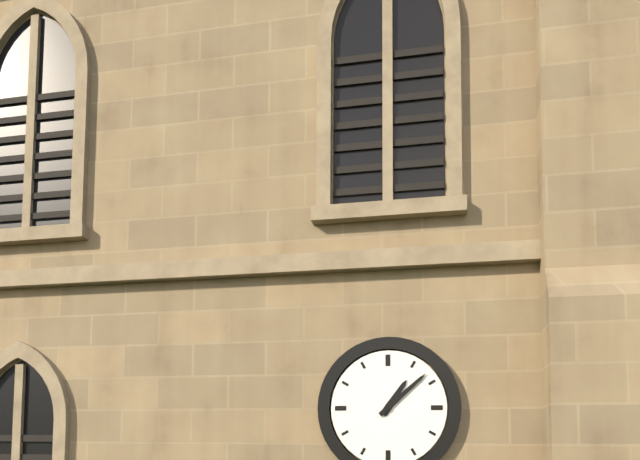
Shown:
1 h 08 min
